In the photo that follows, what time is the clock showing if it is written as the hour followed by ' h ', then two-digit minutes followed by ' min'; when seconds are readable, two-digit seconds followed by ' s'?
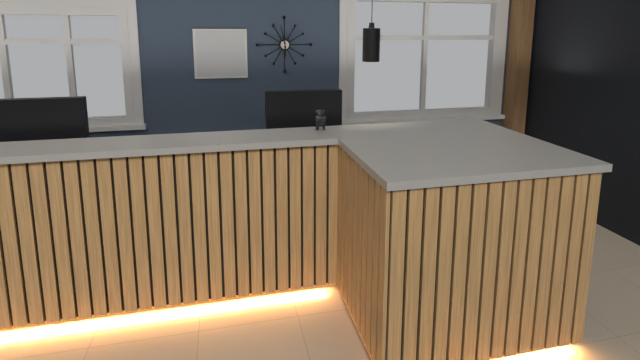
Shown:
5 h 58 min
